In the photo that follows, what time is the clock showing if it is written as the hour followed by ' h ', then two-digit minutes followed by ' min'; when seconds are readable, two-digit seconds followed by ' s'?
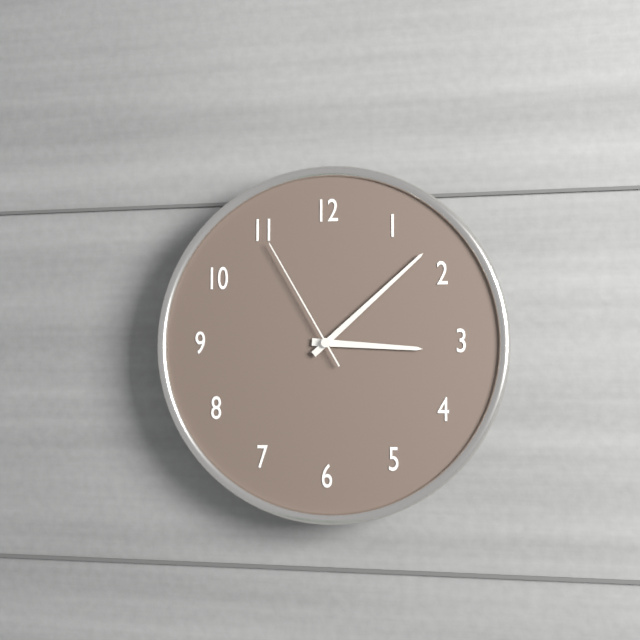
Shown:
3 h 08 min 55 s
